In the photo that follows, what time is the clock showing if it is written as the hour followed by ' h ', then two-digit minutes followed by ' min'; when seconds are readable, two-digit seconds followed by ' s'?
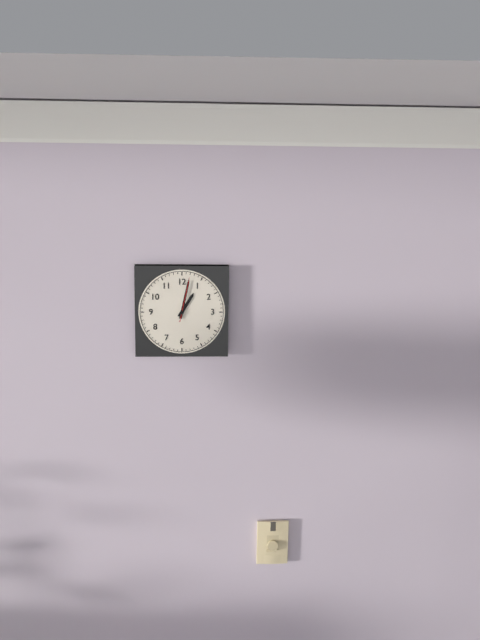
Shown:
1 h 02 min
